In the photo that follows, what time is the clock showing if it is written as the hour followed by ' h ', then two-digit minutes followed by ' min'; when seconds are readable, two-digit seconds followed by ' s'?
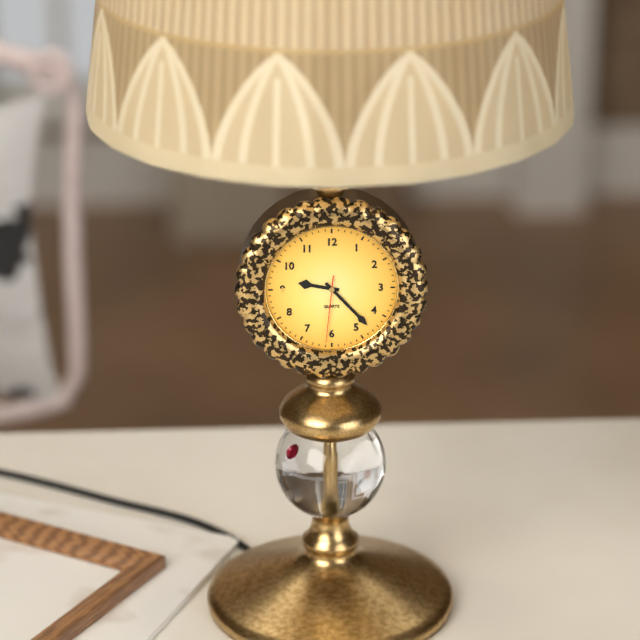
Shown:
9 h 23 min 31 s
